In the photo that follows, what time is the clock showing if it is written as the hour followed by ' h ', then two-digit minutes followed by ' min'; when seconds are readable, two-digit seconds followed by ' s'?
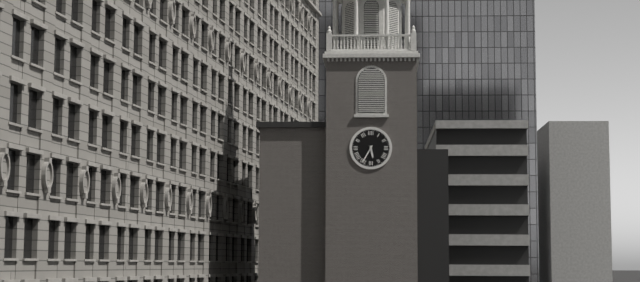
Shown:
5 h 35 min
